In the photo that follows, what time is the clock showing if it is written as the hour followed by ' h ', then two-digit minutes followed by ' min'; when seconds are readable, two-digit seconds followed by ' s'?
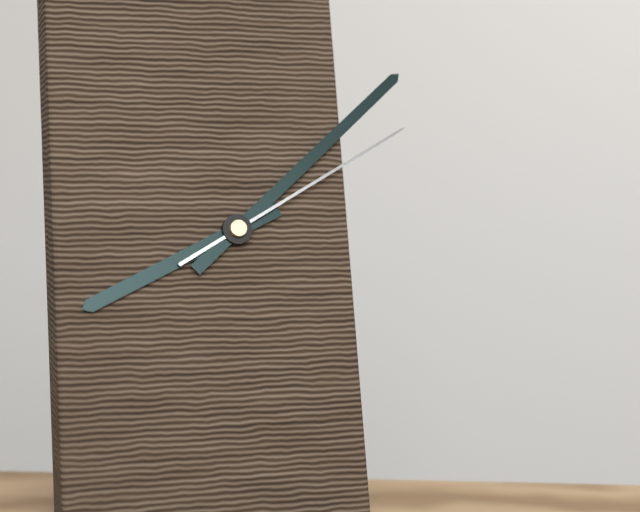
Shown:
8 h 08 min 10 s
